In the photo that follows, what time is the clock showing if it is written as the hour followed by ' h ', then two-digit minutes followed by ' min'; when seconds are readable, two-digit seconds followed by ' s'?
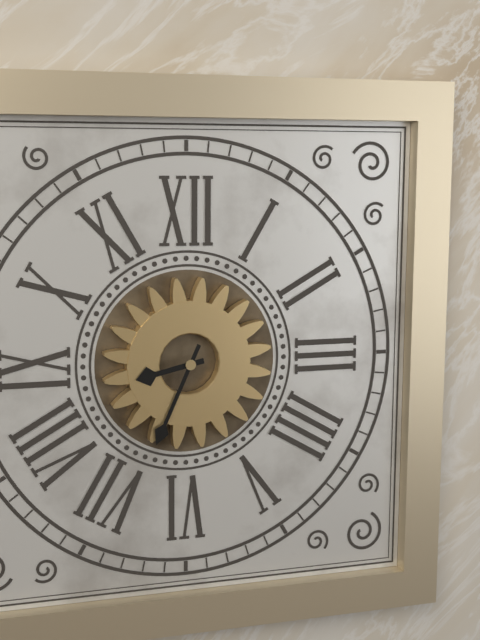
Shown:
8 h 34 min
